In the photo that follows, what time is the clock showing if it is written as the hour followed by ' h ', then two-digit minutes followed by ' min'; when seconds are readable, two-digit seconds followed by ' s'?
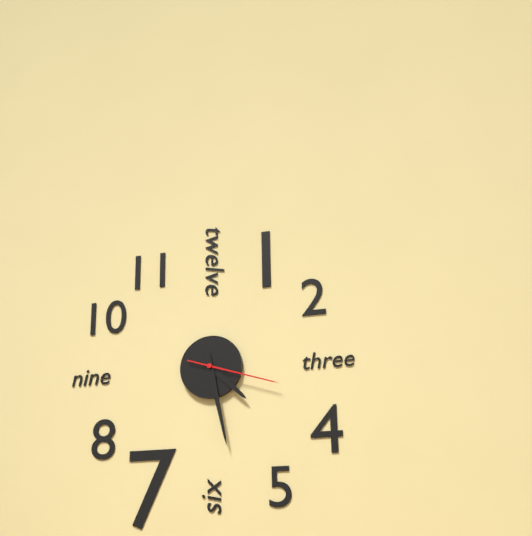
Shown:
4 h 28 min 18 s
